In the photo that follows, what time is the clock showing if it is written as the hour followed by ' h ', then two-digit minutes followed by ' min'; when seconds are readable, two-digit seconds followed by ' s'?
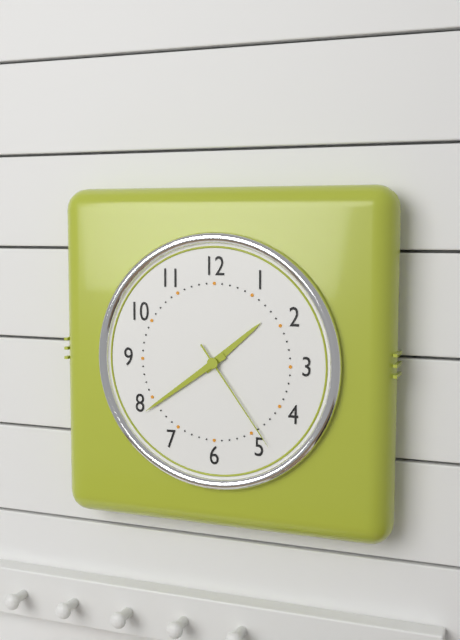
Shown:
1 h 39 min 24 s
